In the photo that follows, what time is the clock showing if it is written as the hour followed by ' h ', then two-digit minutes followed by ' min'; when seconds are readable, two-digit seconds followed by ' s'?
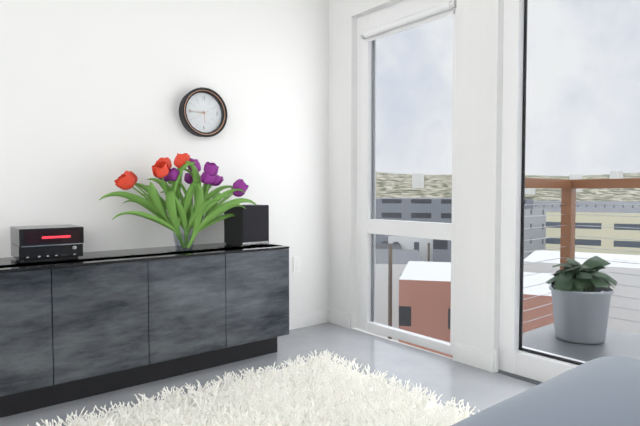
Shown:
5 h 45 min
